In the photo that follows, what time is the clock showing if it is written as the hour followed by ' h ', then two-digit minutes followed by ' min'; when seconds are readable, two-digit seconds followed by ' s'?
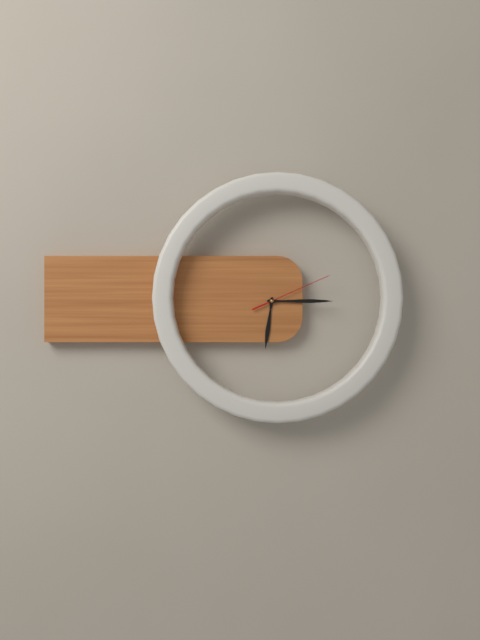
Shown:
6 h 15 min 11 s
